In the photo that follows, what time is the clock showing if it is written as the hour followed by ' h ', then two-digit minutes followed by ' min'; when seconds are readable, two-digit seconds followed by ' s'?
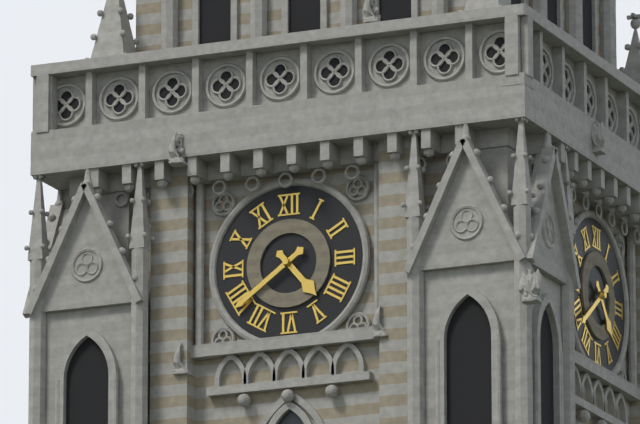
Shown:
4 h 39 min
